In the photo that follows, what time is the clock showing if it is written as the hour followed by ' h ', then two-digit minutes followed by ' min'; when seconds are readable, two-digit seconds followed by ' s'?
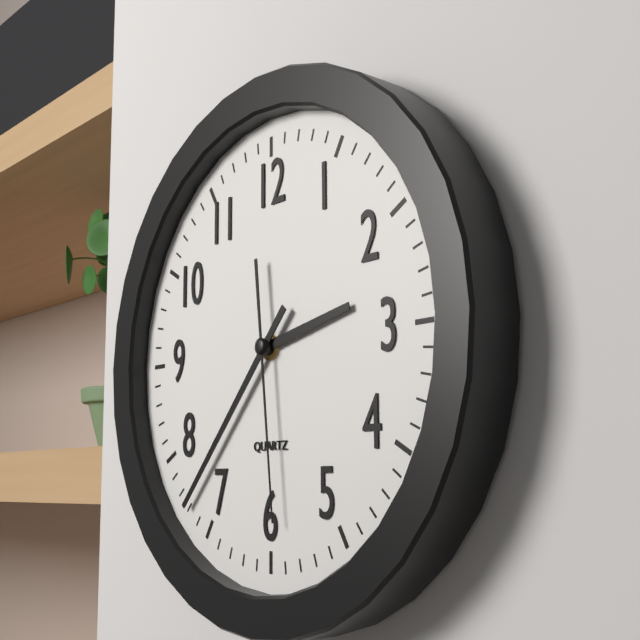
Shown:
2 h 37 min 29 s
